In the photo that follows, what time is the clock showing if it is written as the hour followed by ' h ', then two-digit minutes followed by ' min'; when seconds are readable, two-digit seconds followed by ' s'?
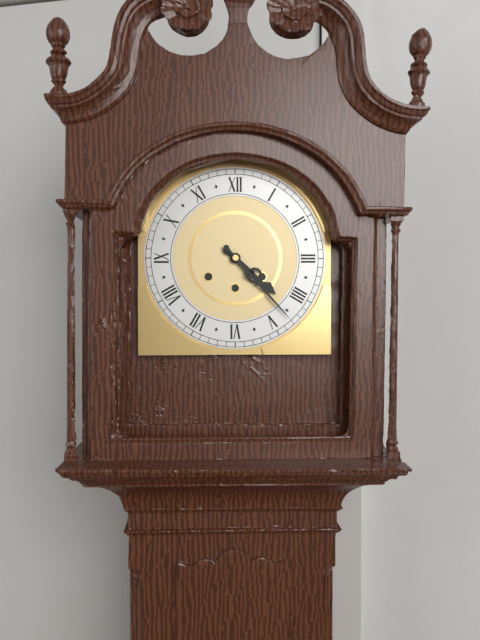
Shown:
4 h 23 min
